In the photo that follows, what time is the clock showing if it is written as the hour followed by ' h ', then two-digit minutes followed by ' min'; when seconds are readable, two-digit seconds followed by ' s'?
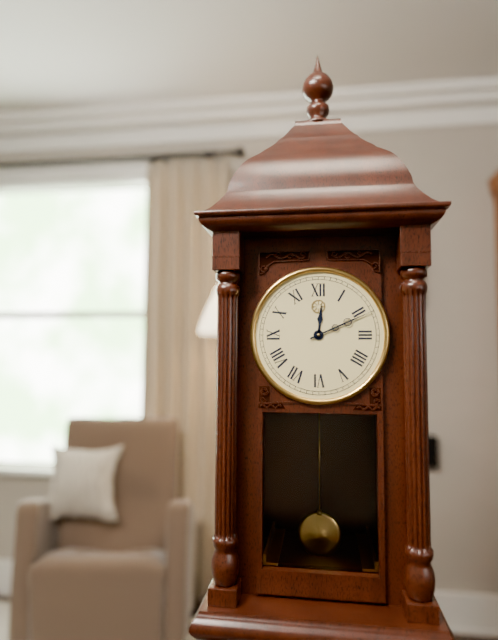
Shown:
12 h 11 min
